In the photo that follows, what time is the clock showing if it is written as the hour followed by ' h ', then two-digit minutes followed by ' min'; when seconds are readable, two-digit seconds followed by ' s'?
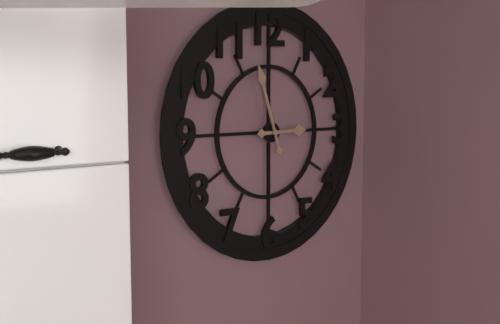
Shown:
2 h 57 min
